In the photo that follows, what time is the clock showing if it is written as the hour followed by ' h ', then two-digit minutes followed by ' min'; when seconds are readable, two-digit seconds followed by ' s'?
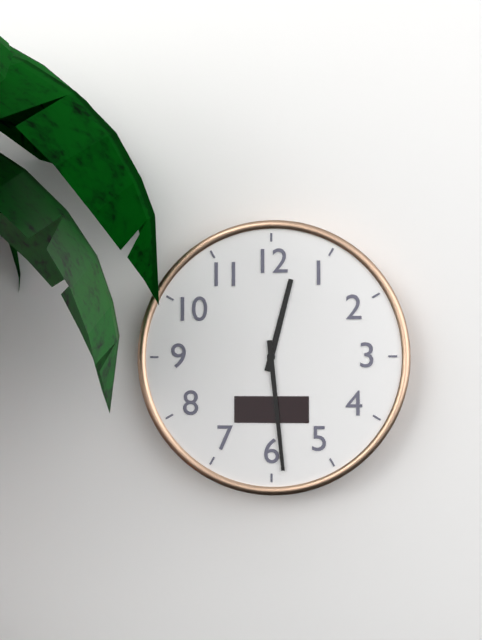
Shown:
12 h 29 min
